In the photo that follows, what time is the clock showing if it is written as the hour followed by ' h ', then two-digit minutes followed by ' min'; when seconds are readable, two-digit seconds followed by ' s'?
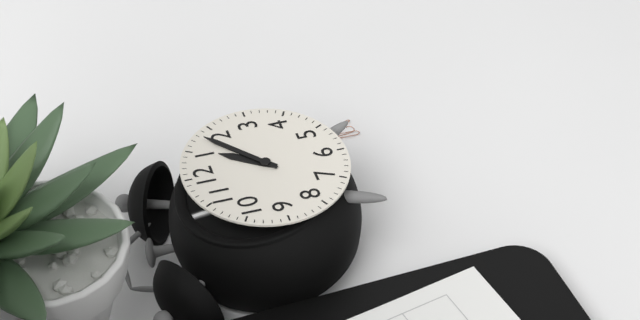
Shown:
1 h 08 min
